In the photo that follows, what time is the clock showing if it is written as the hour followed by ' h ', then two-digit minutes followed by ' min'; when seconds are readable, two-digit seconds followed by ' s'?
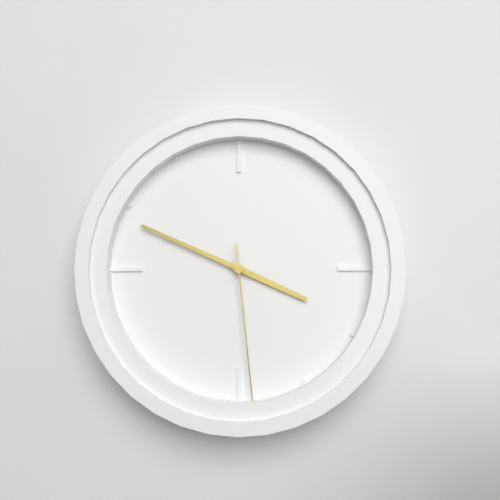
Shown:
3 h 49 min 29 s
